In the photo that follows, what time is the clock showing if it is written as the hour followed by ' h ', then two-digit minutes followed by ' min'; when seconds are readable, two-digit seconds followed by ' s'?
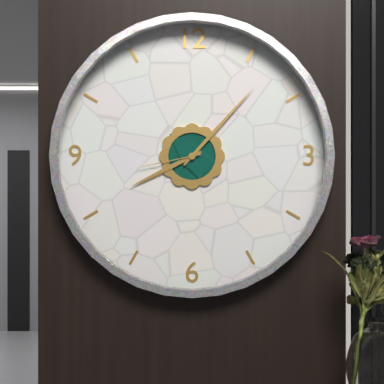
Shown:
8 h 07 min 43 s
